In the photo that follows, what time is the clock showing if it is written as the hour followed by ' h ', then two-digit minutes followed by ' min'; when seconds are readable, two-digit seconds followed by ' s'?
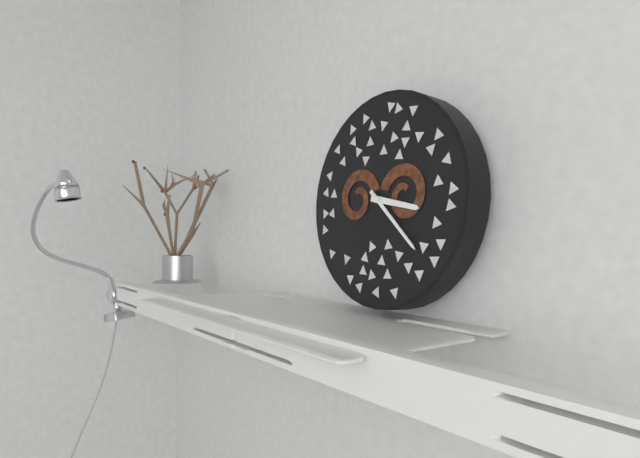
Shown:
3 h 22 min
